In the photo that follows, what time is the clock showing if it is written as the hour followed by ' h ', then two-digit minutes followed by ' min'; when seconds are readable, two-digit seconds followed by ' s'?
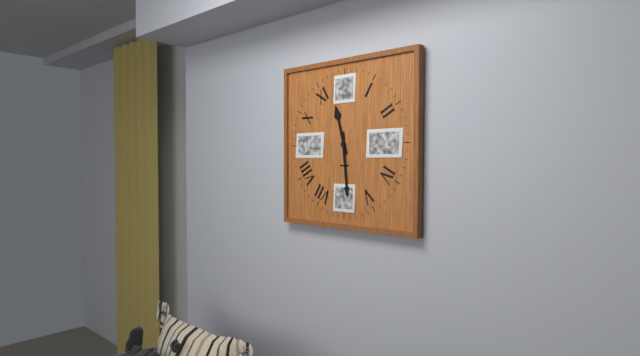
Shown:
11 h 29 min
